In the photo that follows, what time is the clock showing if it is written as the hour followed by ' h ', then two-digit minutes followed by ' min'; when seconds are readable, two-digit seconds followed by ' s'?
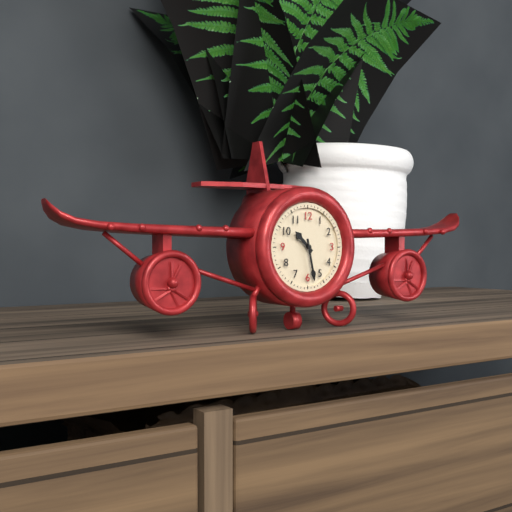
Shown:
10 h 28 min
